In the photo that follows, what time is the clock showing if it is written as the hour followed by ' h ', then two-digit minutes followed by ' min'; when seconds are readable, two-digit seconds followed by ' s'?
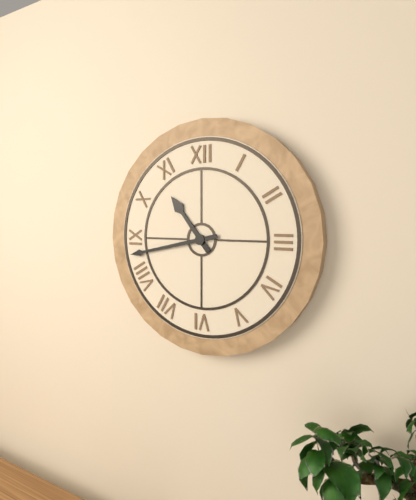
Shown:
10 h 43 min
